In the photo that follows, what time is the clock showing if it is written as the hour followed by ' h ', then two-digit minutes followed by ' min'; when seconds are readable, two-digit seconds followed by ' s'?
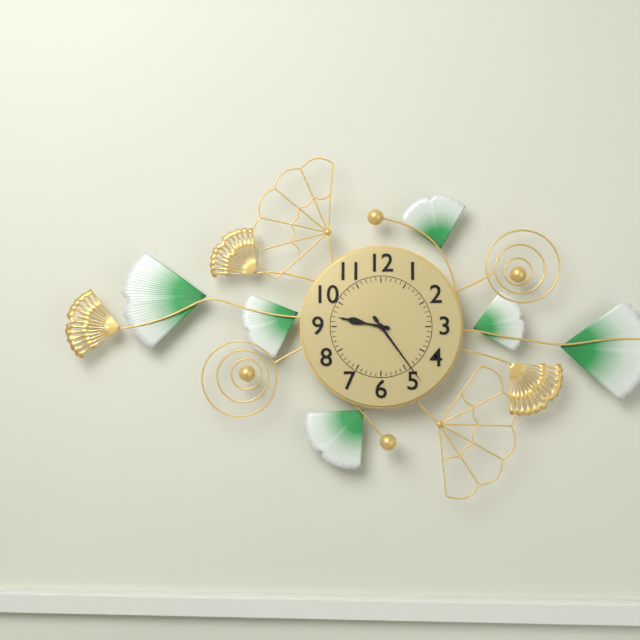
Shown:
9 h 24 min
